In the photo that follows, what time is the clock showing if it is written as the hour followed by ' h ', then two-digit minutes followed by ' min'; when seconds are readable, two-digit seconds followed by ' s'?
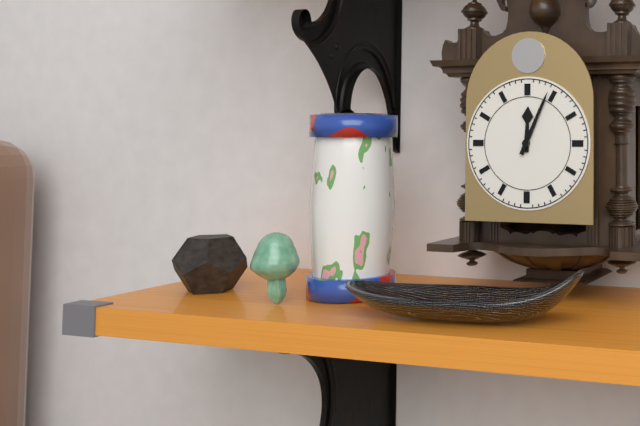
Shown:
12 h 04 min
